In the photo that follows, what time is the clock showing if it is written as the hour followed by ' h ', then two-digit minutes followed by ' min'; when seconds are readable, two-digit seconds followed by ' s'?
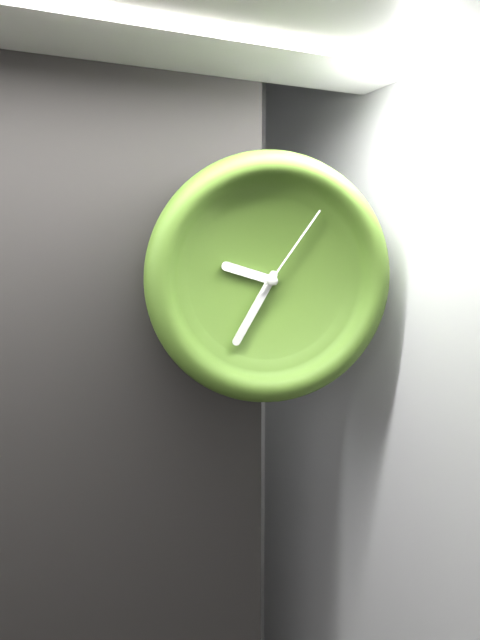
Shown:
9 h 35 min 06 s
